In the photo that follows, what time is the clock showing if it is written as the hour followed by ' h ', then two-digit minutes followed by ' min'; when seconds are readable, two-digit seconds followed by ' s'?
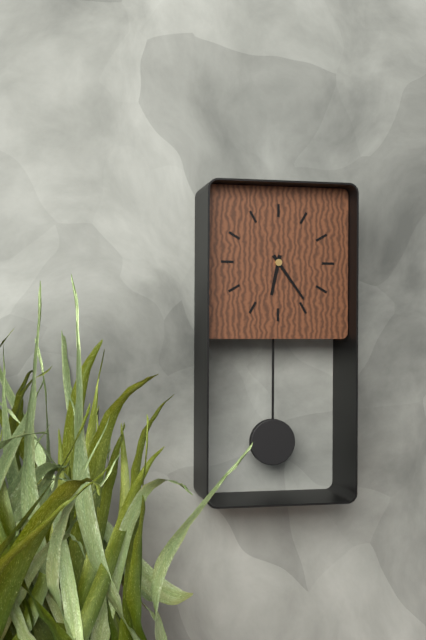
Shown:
6 h 24 min
